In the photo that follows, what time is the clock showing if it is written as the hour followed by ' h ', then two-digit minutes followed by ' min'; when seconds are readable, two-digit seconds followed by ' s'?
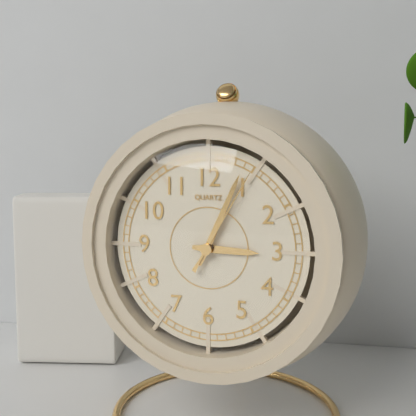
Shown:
3 h 04 min 05 s
